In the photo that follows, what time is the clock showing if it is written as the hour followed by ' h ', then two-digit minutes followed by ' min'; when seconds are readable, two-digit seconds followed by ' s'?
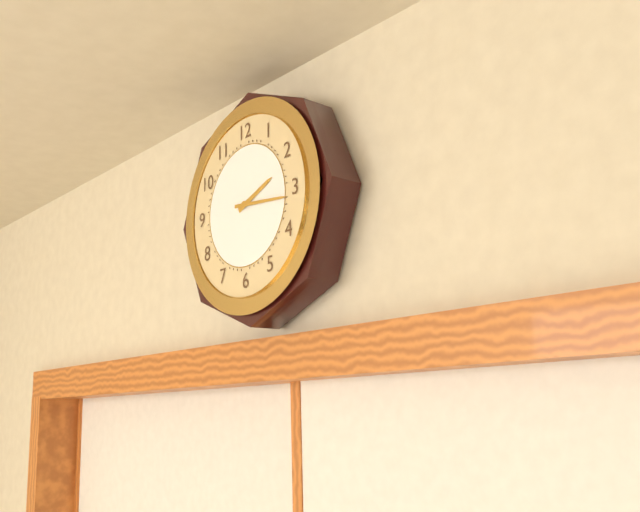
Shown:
2 h 16 min
